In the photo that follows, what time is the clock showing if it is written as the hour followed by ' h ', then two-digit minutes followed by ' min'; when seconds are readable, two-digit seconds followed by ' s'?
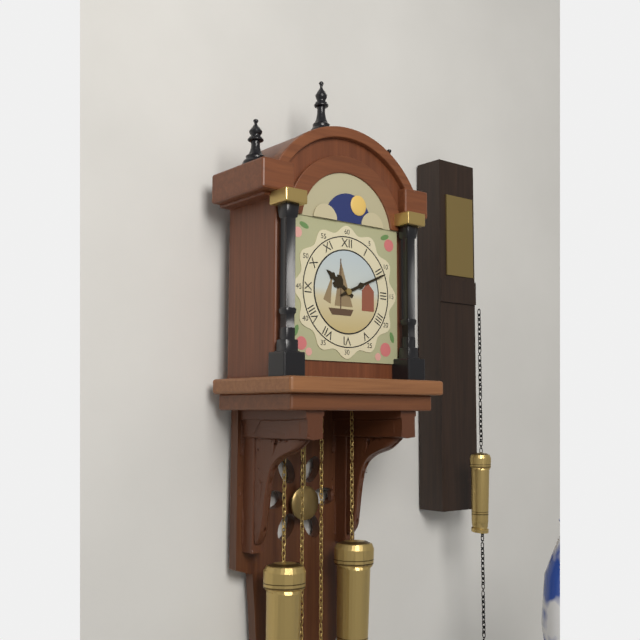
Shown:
10 h 11 min
